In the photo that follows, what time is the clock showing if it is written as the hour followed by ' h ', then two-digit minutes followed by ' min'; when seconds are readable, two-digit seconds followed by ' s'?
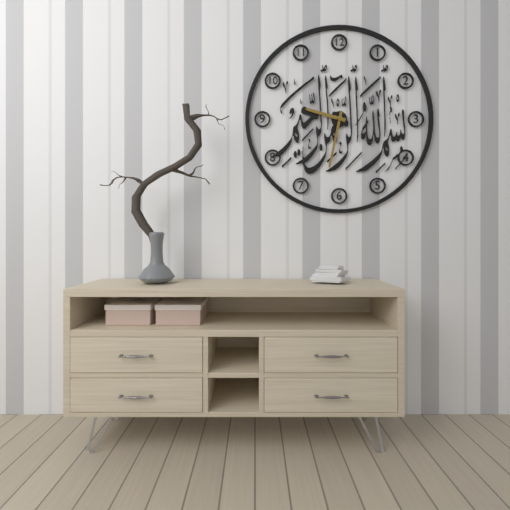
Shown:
9 h 32 min
